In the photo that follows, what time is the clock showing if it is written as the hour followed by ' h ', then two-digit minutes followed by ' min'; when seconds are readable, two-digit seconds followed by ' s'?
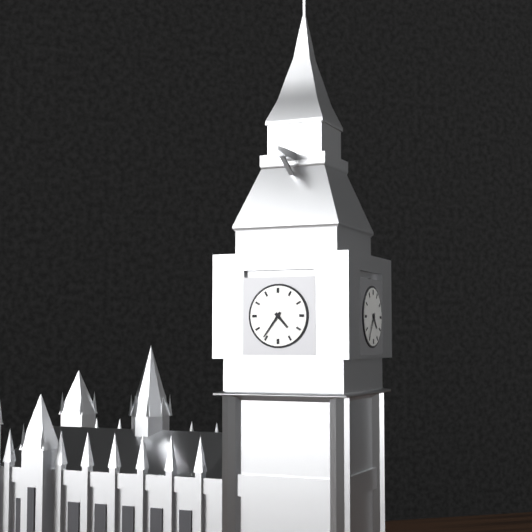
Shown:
4 h 36 min
